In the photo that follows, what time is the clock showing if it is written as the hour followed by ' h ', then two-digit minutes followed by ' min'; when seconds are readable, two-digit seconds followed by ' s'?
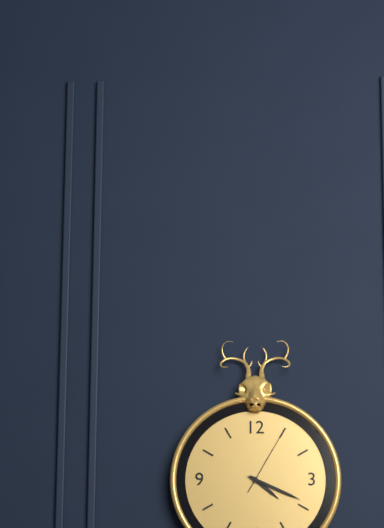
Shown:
4 h 19 min 05 s
